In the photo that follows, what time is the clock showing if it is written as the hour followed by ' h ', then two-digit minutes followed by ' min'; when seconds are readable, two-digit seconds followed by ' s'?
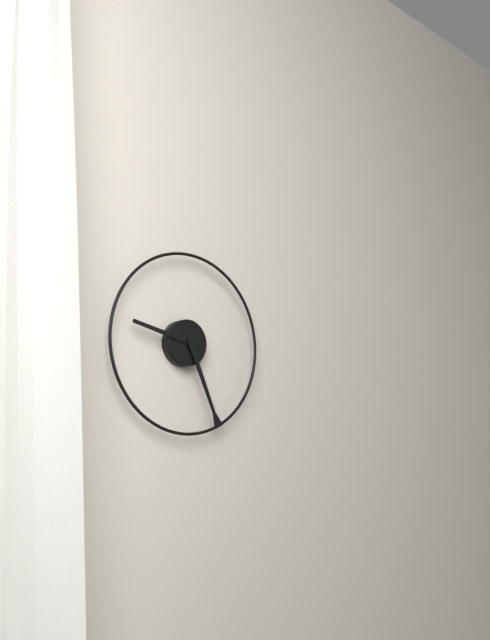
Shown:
9 h 26 min
